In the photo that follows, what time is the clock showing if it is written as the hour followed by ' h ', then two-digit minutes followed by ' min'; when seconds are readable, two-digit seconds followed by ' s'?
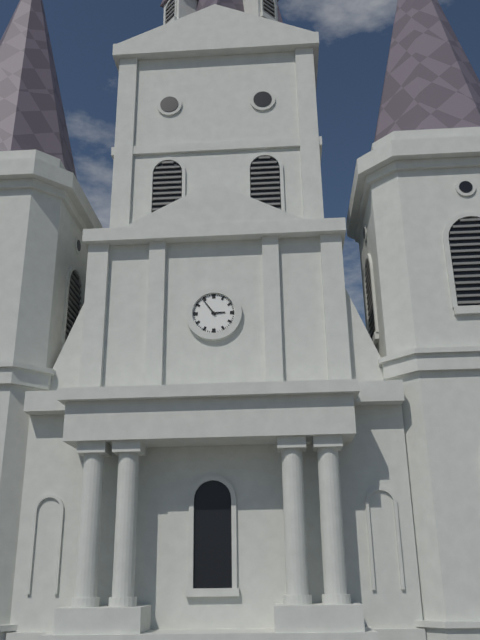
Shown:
2 h 54 min
